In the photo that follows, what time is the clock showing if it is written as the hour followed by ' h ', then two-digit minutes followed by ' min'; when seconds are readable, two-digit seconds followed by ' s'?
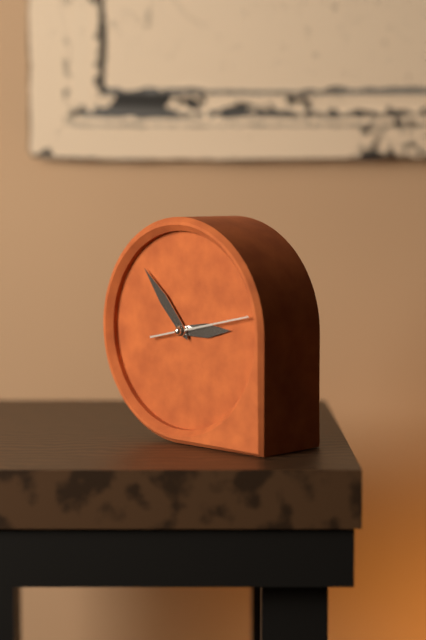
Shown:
2 h 53 min 13 s
